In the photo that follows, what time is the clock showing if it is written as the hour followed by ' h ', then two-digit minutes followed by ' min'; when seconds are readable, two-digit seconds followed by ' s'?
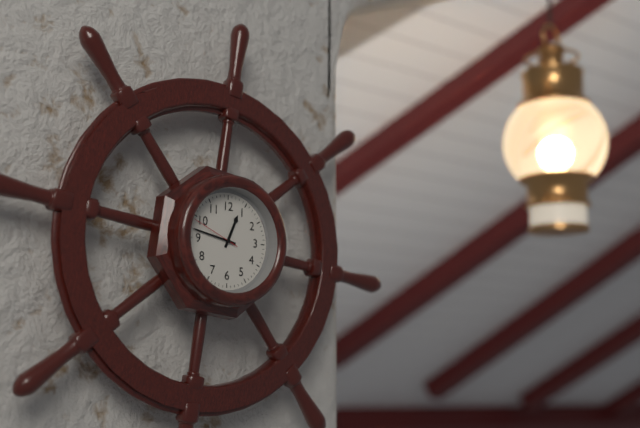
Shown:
12 h 47 min
